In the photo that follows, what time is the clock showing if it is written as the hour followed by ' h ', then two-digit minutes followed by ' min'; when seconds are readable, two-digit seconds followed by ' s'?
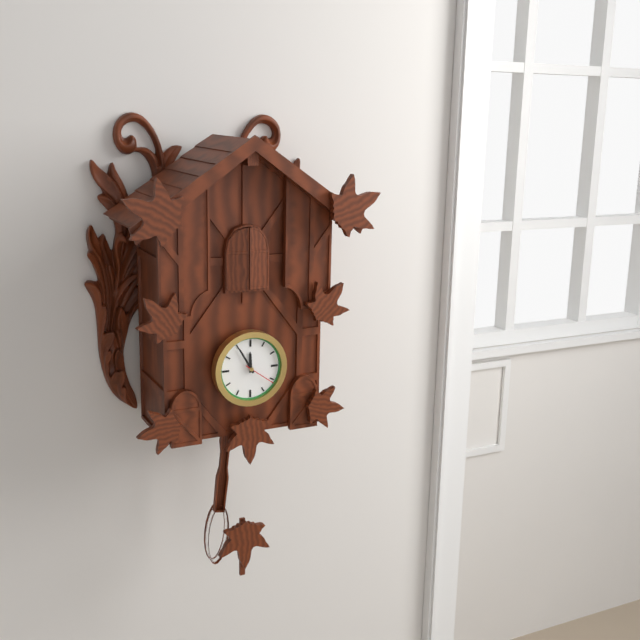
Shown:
11 h 55 min
